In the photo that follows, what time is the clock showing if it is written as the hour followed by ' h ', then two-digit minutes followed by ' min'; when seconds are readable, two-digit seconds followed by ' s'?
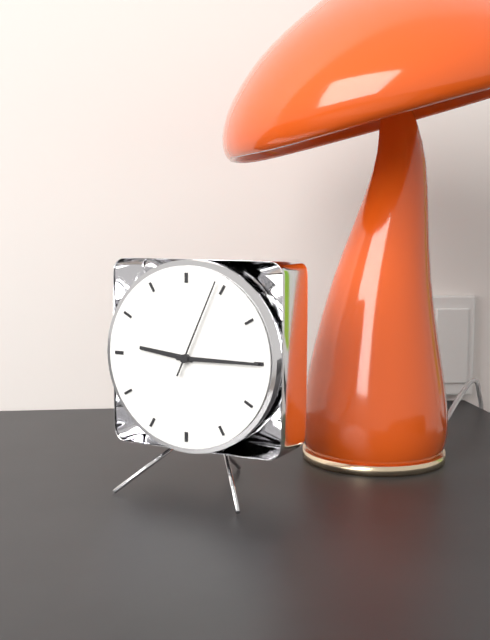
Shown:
9 h 15 min 04 s
